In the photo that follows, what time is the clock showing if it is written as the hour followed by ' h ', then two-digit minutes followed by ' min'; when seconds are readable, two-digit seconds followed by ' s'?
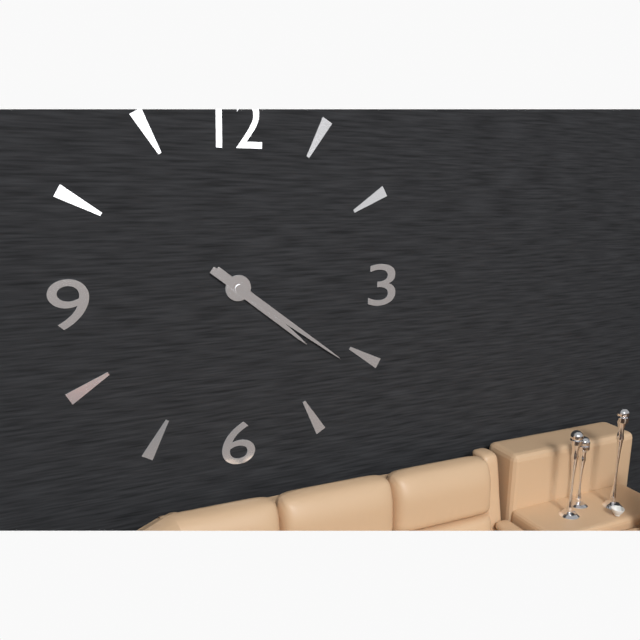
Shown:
4 h 21 min
